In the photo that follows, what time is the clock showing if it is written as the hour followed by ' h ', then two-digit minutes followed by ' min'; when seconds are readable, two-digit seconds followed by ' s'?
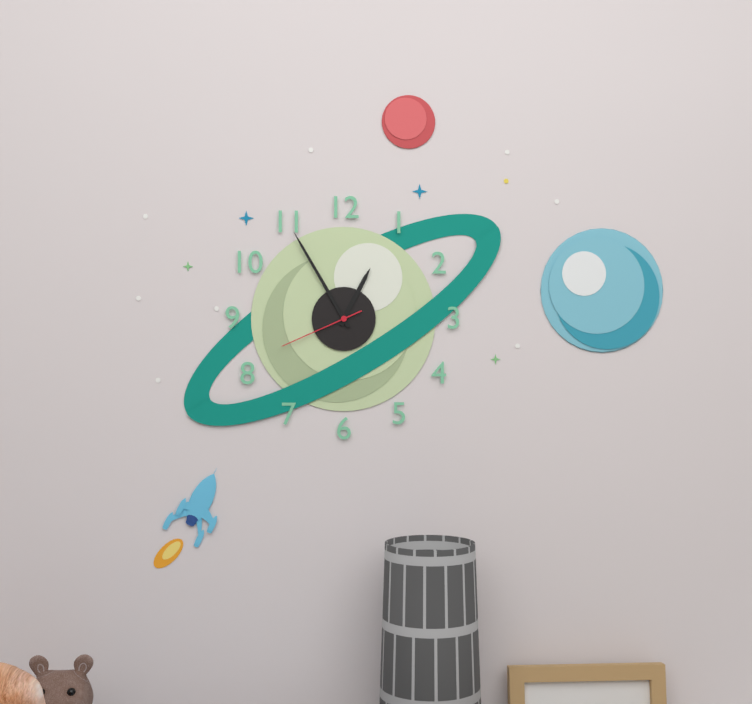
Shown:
12 h 55 min 41 s
